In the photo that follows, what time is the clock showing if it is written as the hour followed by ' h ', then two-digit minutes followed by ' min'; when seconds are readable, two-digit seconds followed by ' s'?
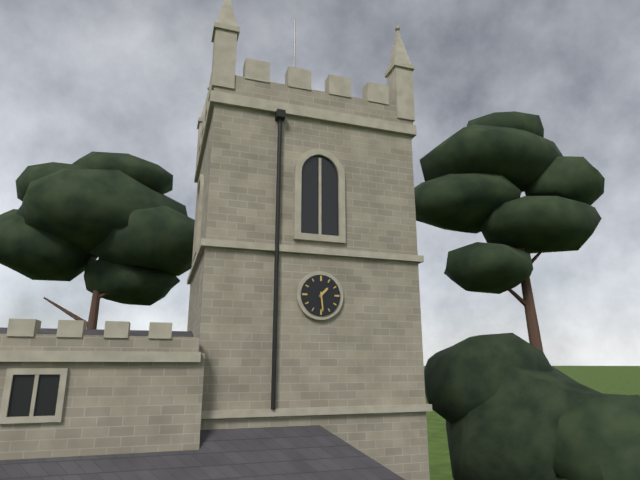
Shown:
1 h 29 min
